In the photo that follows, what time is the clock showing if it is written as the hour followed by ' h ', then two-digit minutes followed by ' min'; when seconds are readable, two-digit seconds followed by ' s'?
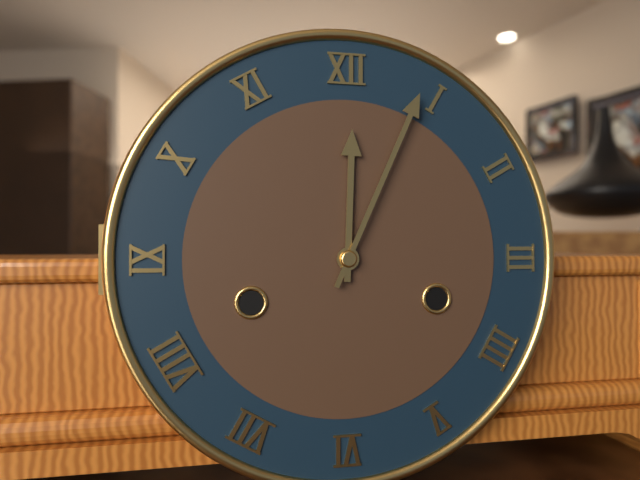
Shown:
12 h 04 min
